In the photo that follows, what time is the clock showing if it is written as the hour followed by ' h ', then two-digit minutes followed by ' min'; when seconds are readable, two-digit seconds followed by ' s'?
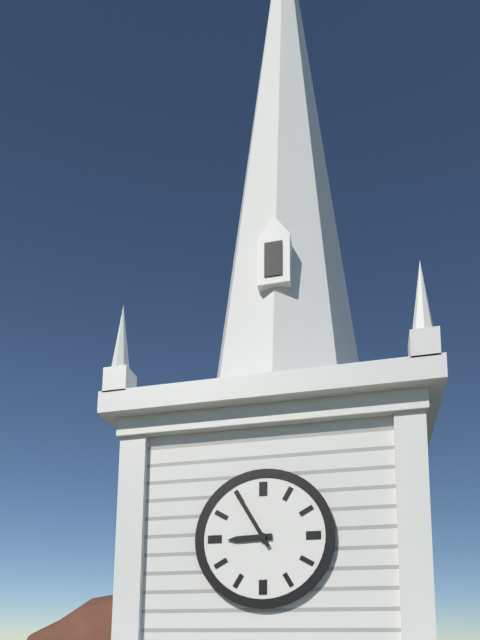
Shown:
8 h 55 min
